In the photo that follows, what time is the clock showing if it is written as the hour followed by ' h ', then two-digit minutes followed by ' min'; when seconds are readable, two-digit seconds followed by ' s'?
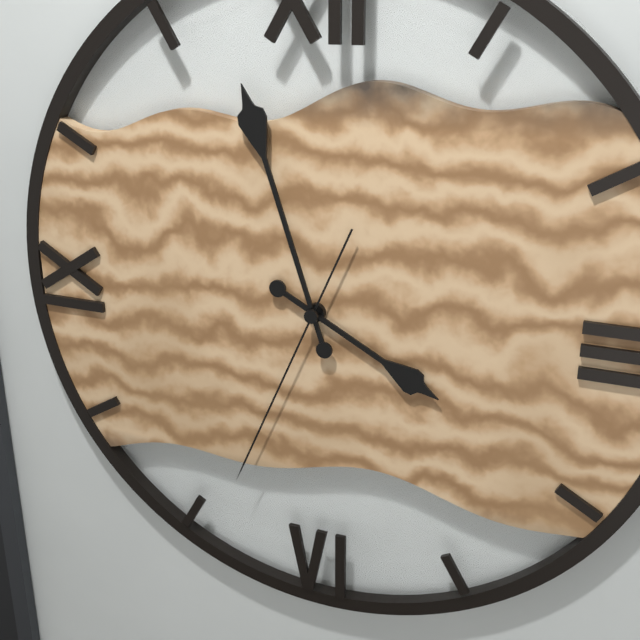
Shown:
3 h 57 min 34 s
